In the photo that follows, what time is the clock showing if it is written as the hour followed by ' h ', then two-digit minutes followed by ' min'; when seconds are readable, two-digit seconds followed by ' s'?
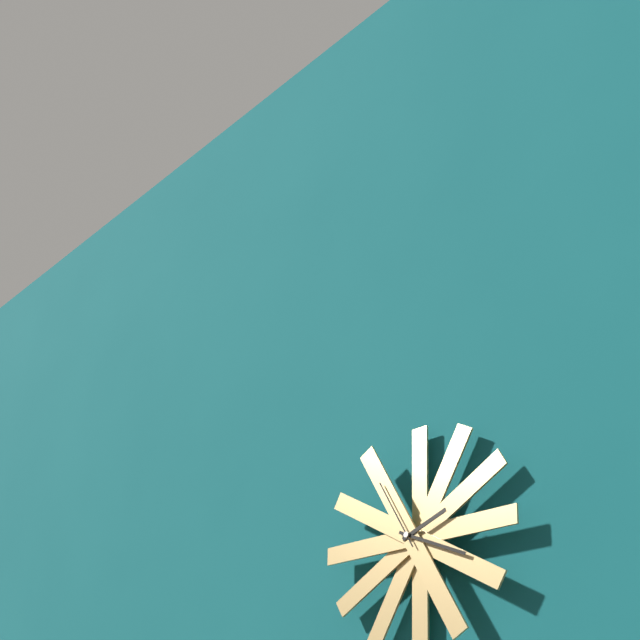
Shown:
2 h 19 min 55 s
